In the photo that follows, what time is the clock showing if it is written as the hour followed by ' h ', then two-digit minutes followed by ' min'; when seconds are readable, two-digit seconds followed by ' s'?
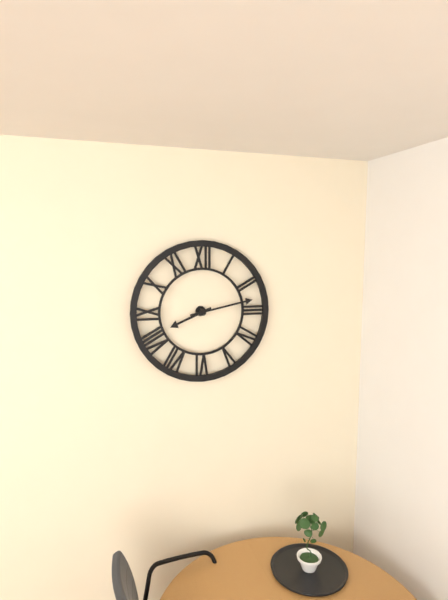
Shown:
8 h 13 min
